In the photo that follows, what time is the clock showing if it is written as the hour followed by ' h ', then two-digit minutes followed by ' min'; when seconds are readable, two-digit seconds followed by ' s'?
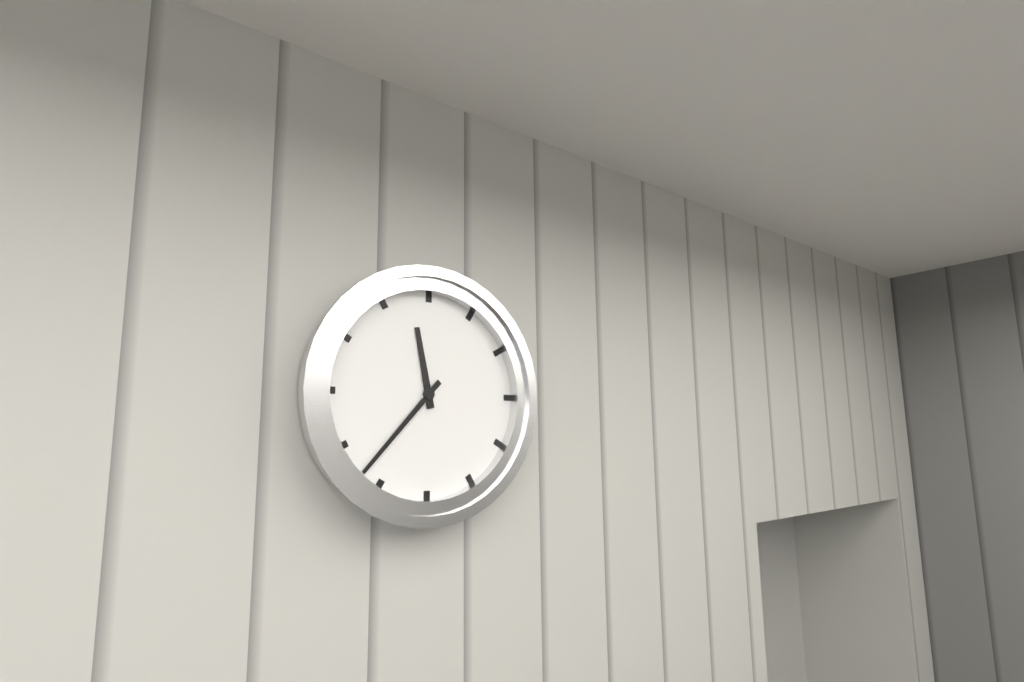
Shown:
11 h 37 min
